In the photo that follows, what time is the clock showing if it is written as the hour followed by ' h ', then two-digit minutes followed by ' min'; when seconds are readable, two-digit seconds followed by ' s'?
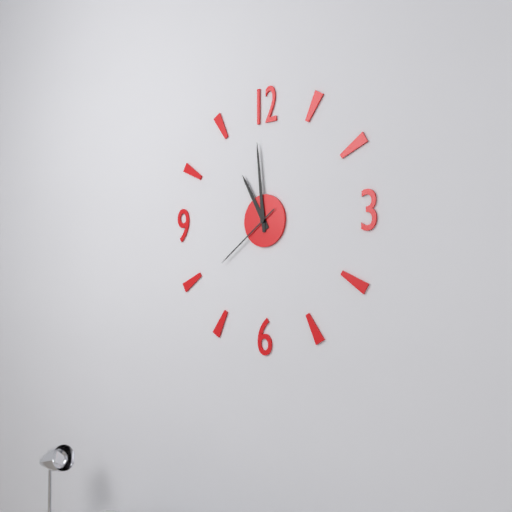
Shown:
10 h 59 min 39 s
